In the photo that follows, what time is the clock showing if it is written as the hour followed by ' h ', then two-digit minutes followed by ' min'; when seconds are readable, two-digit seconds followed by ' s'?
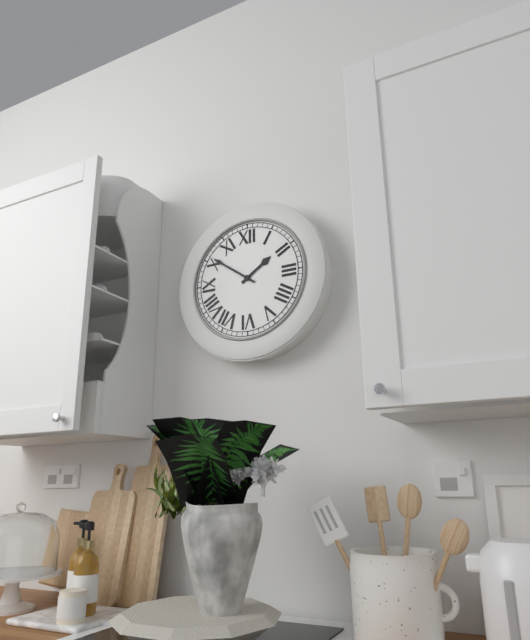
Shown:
1 h 51 min
